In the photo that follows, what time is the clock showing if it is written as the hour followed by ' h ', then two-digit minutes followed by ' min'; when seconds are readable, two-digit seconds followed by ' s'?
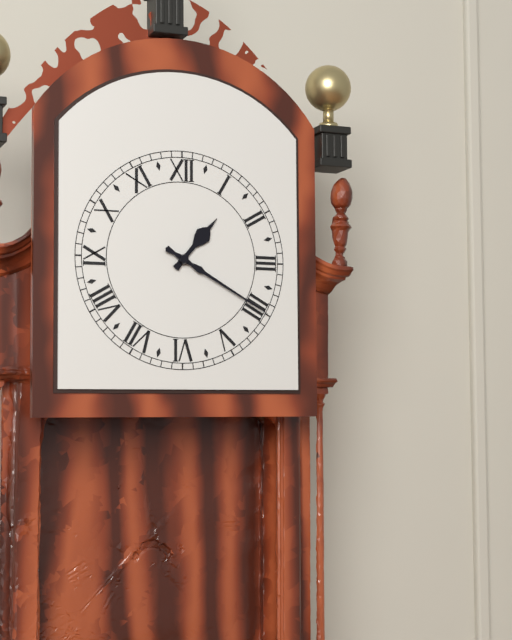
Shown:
1 h 20 min
